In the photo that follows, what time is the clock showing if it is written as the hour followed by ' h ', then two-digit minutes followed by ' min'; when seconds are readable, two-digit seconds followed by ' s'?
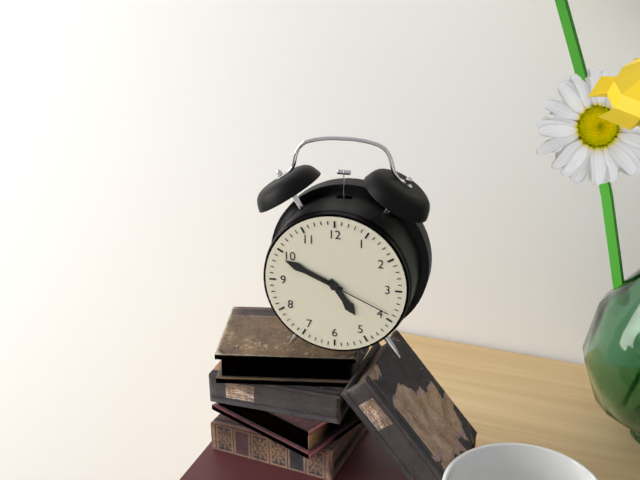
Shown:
4 h 49 min 19 s
